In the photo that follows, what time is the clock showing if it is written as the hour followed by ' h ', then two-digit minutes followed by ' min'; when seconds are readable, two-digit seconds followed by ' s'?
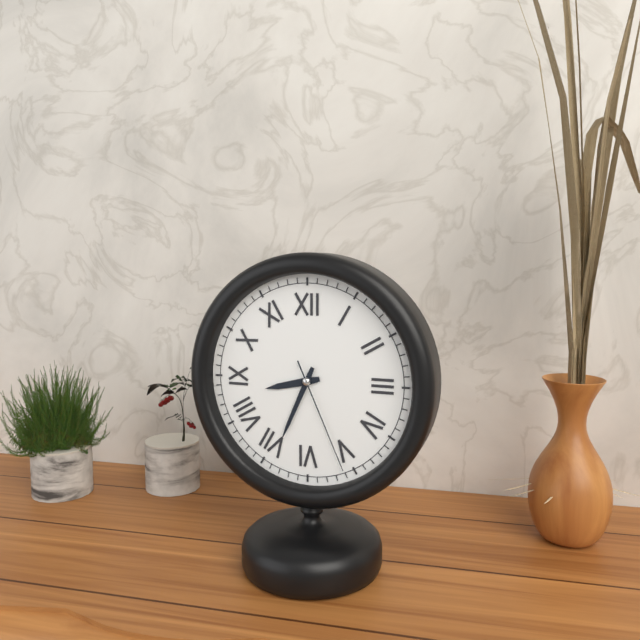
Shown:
8 h 34 min 26 s
